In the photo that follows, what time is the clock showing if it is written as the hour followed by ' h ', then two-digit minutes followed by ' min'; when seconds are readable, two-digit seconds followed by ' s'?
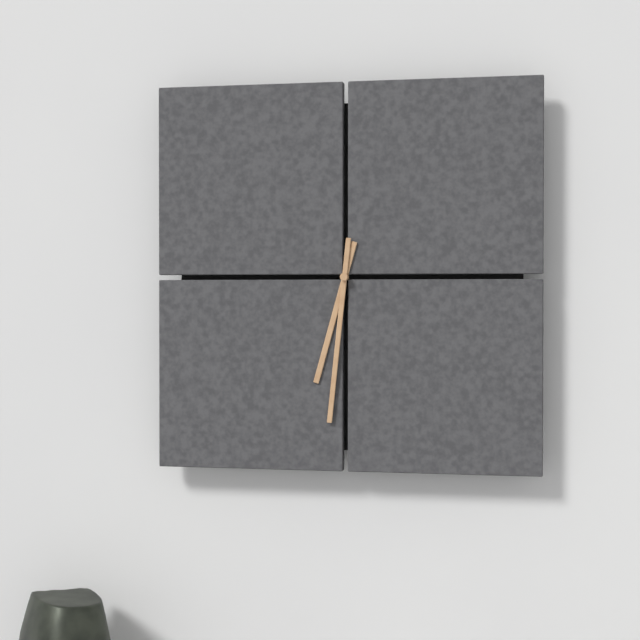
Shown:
6 h 31 min
